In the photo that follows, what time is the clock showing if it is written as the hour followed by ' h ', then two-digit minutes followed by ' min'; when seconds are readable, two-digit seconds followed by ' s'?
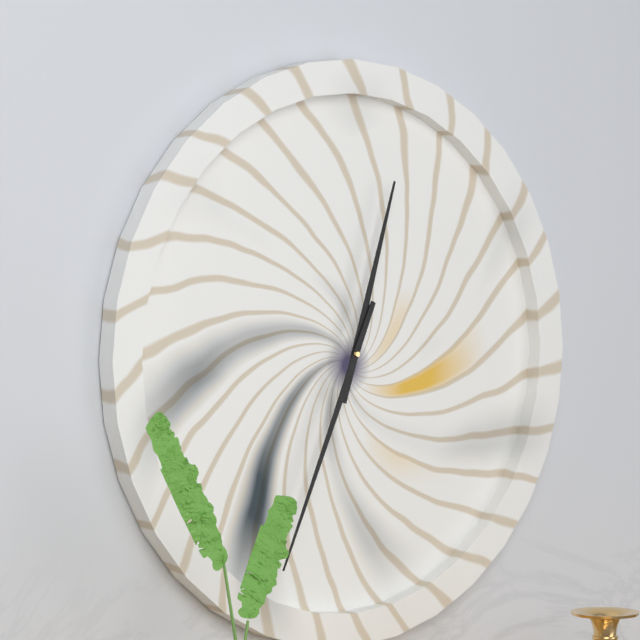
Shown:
12 h 34 min
